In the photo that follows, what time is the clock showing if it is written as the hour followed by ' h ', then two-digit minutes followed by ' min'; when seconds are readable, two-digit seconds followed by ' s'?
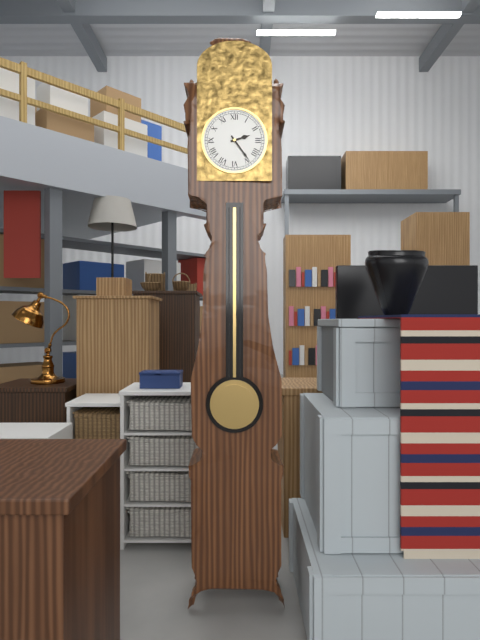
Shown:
2 h 24 min
